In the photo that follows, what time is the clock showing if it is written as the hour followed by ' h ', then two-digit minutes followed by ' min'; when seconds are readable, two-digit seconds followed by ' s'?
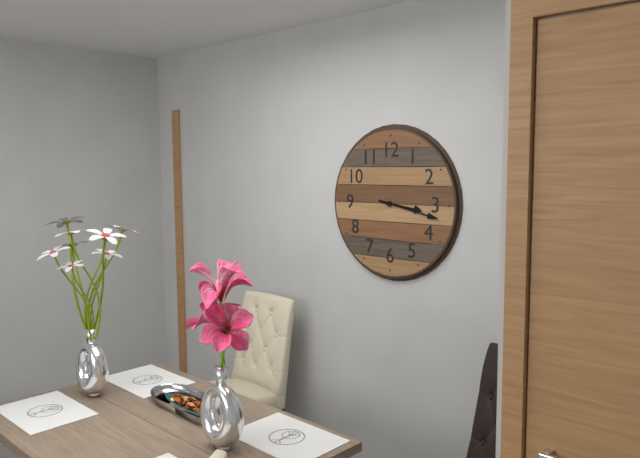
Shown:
3 h 17 min
